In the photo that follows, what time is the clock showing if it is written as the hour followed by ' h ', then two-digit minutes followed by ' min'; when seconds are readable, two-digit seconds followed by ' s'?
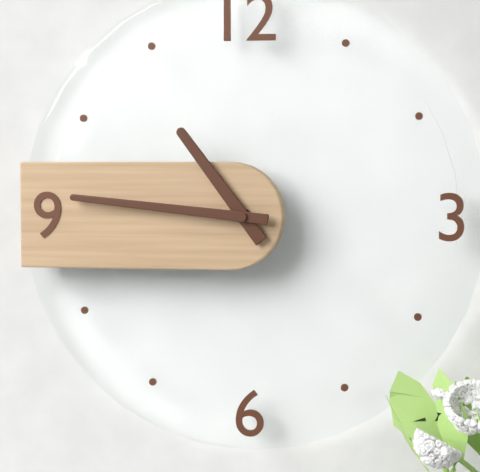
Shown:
10 h 46 min
